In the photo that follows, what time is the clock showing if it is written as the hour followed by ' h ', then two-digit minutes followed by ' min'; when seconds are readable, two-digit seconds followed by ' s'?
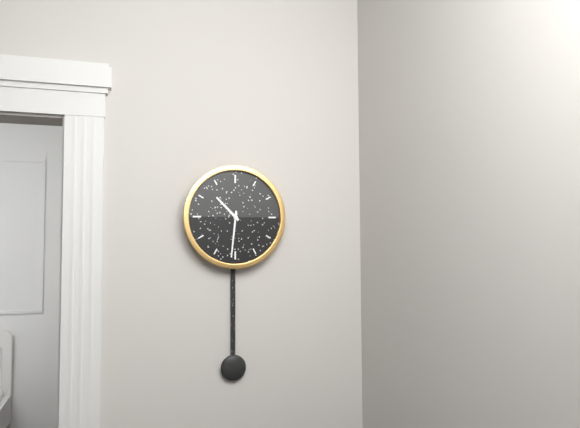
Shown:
10 h 31 min
